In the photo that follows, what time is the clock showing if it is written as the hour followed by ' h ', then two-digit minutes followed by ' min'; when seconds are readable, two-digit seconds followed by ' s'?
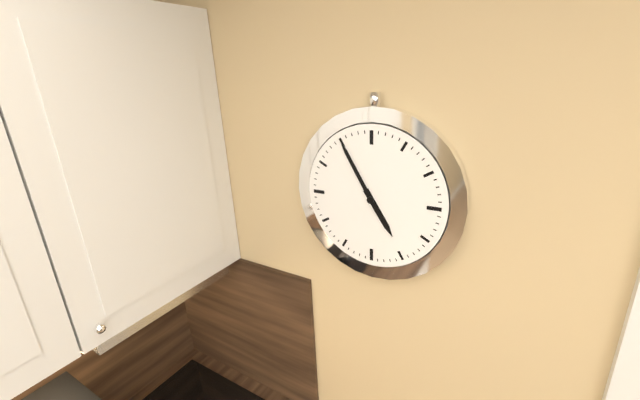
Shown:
4 h 55 min
